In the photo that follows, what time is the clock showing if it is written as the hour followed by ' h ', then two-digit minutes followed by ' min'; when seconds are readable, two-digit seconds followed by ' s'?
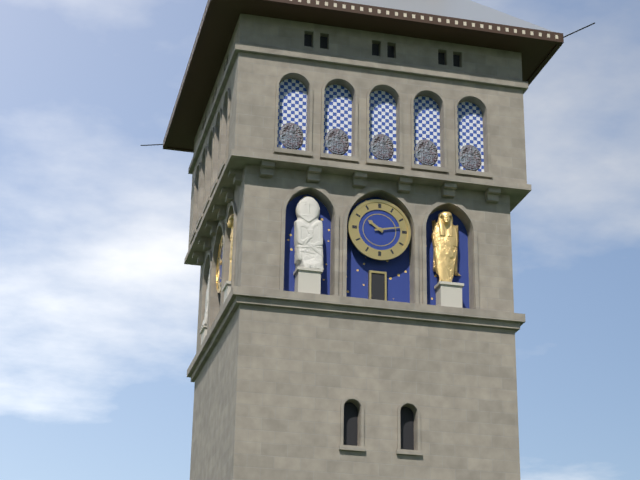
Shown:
10 h 13 min
